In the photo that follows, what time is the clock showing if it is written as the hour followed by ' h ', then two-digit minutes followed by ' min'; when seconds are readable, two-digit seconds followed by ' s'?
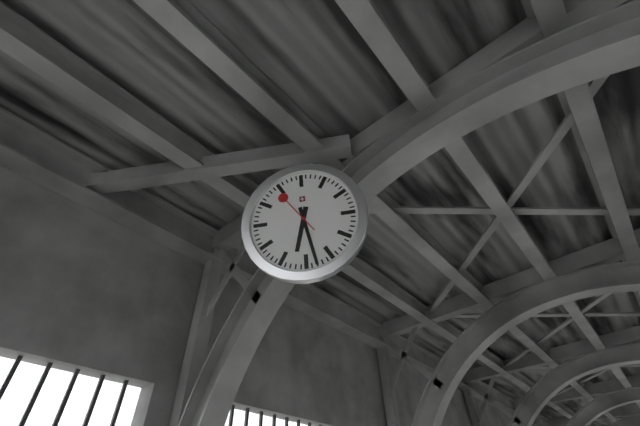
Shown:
6 h 28 min
